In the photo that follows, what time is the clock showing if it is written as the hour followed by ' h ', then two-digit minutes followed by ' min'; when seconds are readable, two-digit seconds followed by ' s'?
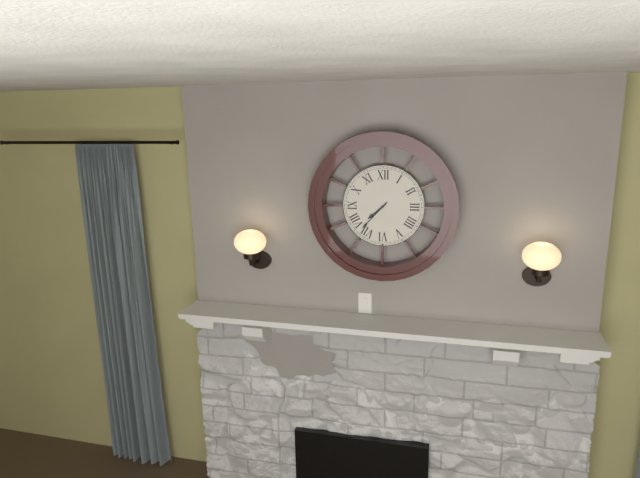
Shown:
7 h 37 min
